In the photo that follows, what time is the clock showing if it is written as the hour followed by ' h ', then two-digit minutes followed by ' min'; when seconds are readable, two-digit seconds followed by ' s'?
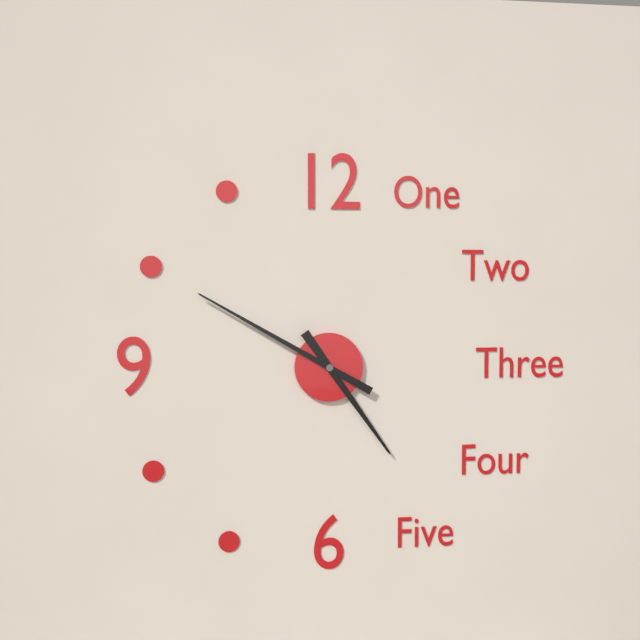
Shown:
4 h 50 min
